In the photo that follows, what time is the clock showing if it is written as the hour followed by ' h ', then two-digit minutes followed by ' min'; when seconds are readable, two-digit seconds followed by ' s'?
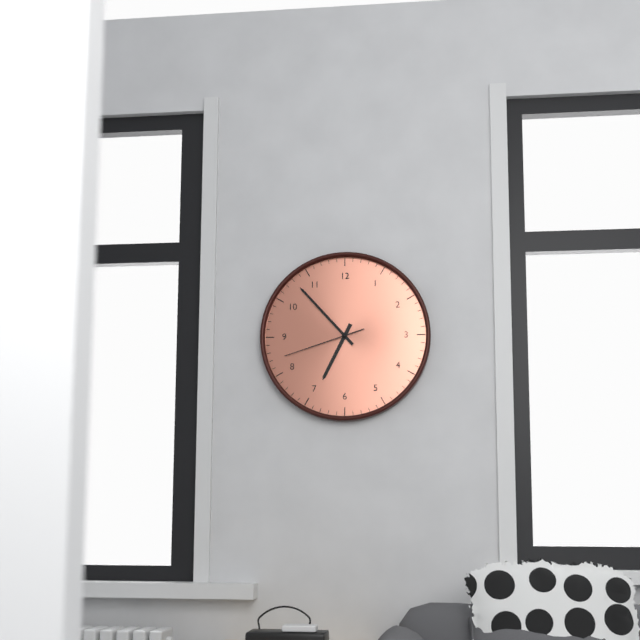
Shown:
6 h 53 min 42 s
